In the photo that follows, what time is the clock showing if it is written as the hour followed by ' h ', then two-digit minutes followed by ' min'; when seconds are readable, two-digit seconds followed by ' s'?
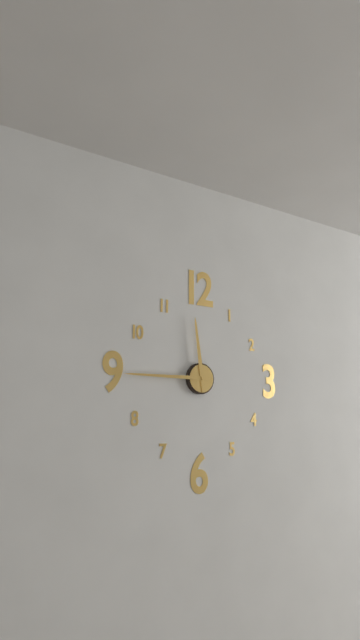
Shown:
11 h 45 min
